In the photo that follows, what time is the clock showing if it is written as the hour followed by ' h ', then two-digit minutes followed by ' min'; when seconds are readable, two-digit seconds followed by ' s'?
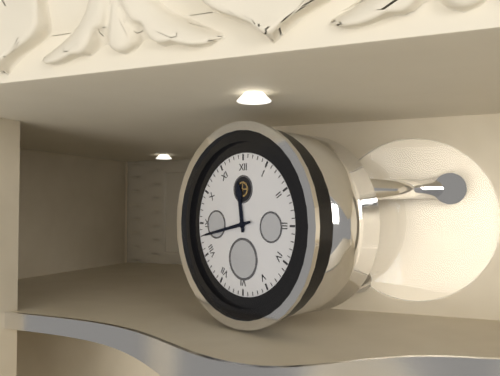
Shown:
11 h 43 min
